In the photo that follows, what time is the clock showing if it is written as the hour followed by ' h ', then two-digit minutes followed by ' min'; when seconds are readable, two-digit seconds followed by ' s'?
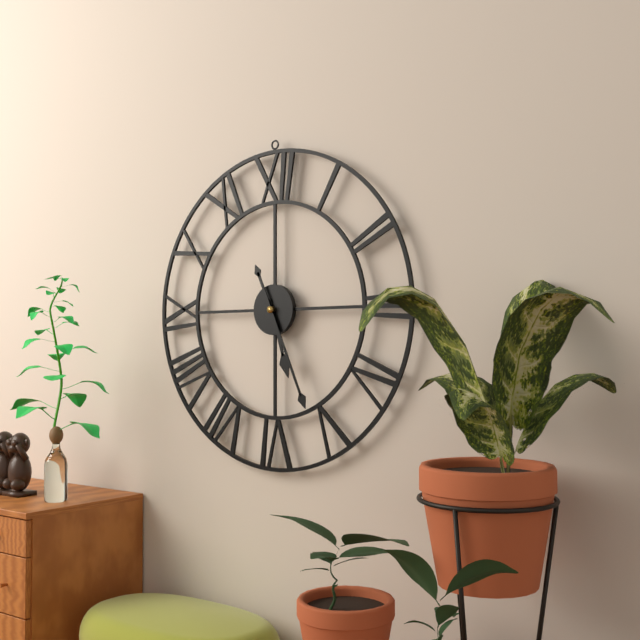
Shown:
5 h 26 min
